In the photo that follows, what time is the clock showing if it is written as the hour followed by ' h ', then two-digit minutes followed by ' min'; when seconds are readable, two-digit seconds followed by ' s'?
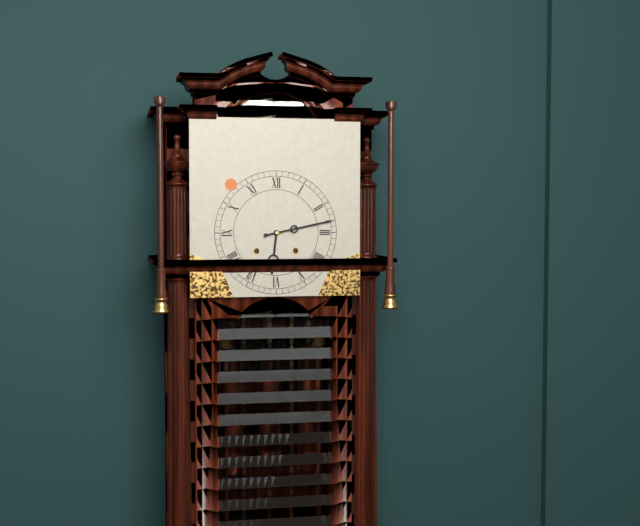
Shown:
6 h 13 min
